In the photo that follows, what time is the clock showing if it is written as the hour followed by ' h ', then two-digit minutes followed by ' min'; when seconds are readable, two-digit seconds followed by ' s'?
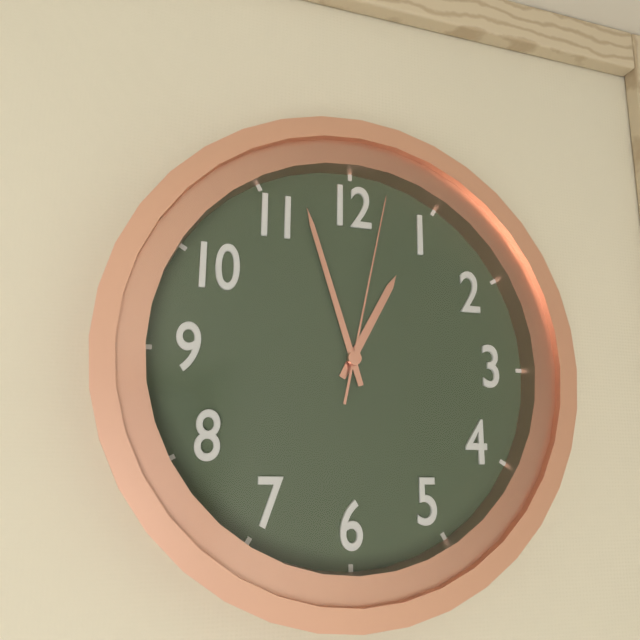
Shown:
12 h 57 min 02 s
